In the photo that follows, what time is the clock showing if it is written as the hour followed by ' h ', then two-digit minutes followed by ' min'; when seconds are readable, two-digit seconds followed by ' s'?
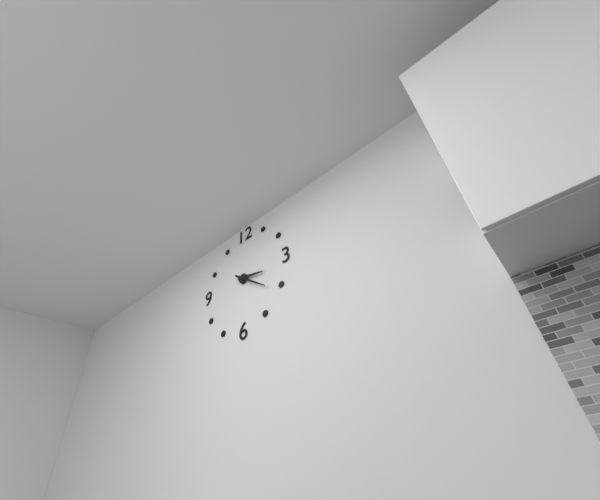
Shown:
3 h 21 min
